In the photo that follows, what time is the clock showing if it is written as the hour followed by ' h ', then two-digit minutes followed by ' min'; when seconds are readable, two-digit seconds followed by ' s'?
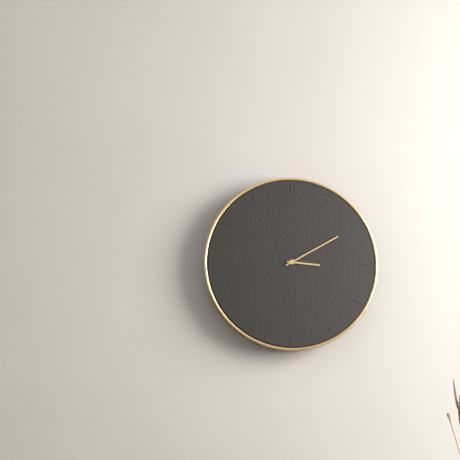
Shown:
3 h 10 min
